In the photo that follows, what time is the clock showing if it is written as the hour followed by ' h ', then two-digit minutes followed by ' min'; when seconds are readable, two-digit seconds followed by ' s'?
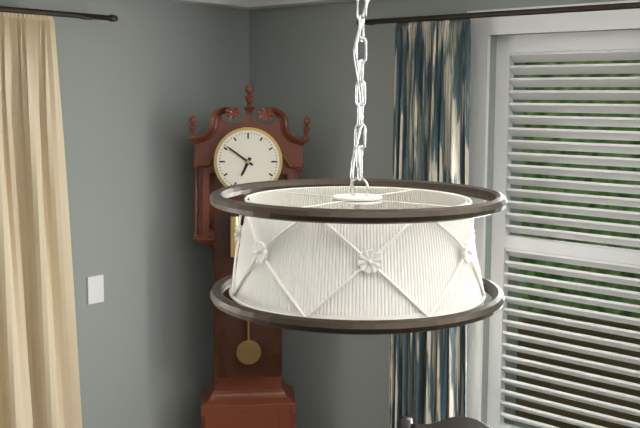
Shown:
6 h 51 min
